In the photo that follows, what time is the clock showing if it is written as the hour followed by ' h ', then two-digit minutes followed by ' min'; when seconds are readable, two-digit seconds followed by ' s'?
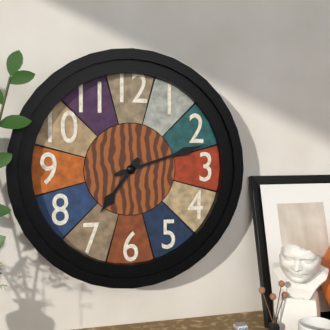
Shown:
7 h 12 min
